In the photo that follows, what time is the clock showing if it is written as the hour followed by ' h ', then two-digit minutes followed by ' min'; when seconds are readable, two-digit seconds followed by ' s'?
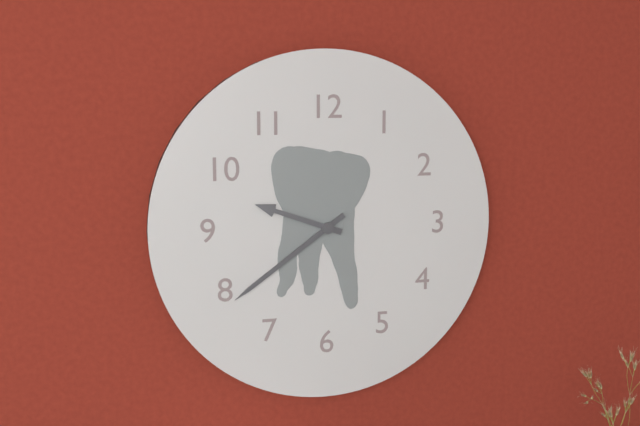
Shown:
9 h 39 min
